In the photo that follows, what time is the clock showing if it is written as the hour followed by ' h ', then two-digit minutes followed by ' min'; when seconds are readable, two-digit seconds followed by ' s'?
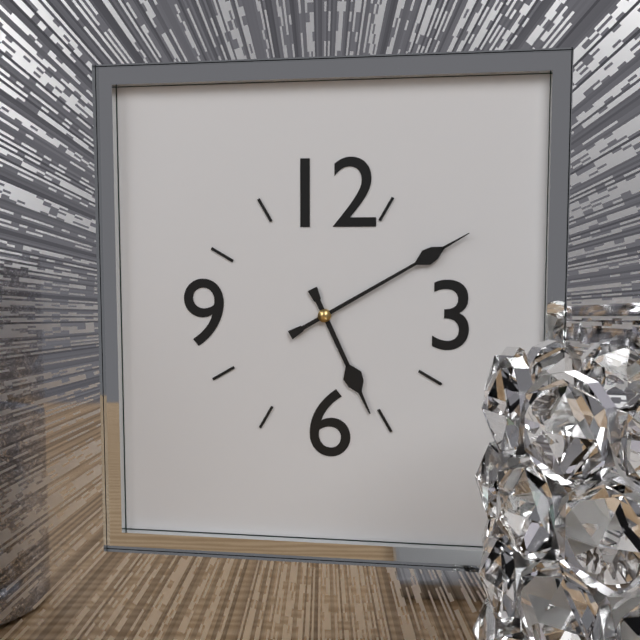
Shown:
5 h 10 min
